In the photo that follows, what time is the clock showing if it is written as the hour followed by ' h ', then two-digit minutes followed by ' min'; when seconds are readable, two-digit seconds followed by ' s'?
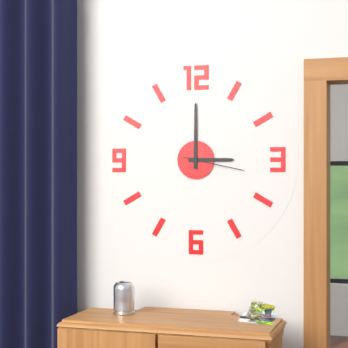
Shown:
3 h 00 min 17 s
